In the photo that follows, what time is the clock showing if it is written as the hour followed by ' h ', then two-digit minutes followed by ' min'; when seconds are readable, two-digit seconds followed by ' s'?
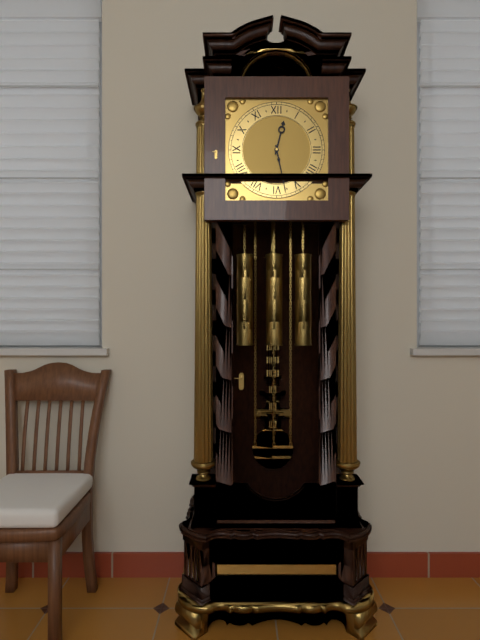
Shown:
12 h 28 min
